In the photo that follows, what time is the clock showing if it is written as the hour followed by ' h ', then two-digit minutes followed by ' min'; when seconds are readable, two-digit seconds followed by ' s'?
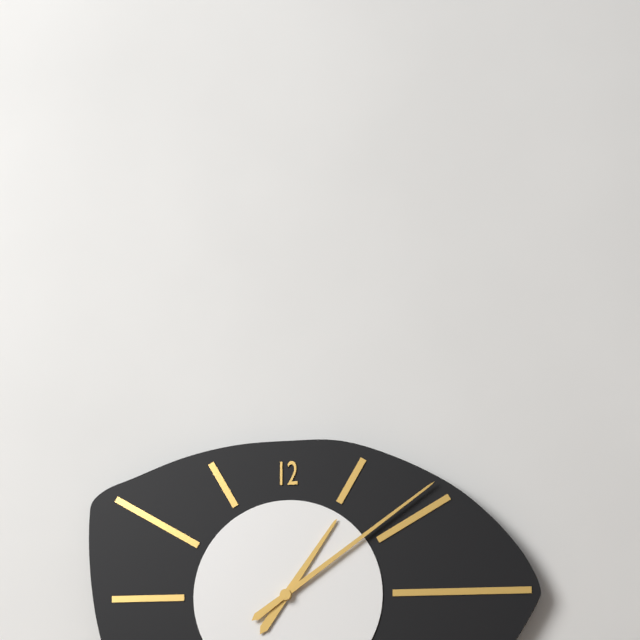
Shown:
1 h 09 min
